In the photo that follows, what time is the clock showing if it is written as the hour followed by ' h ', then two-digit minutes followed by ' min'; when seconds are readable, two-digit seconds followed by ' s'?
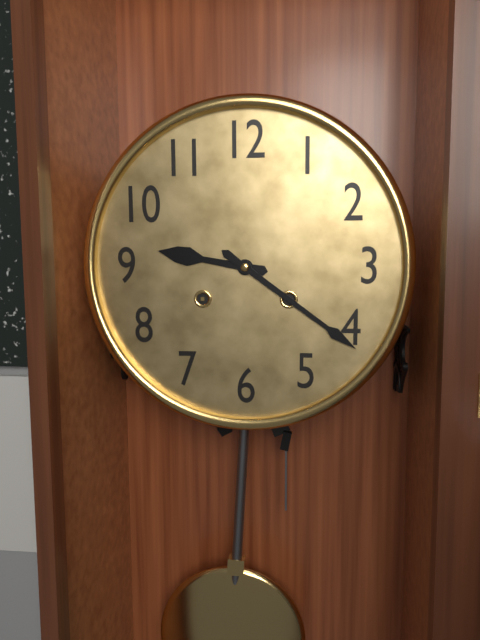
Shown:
9 h 21 min
